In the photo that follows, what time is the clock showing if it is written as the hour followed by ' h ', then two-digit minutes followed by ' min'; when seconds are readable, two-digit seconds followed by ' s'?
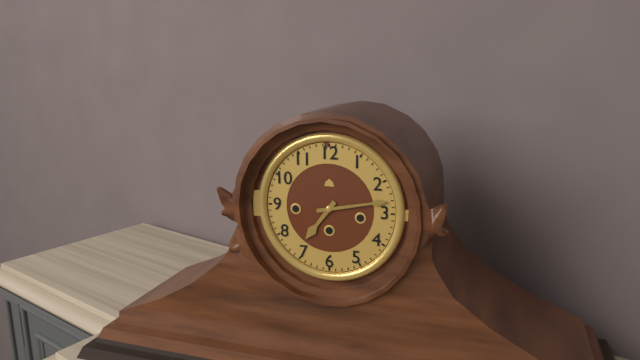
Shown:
7 h 13 min
